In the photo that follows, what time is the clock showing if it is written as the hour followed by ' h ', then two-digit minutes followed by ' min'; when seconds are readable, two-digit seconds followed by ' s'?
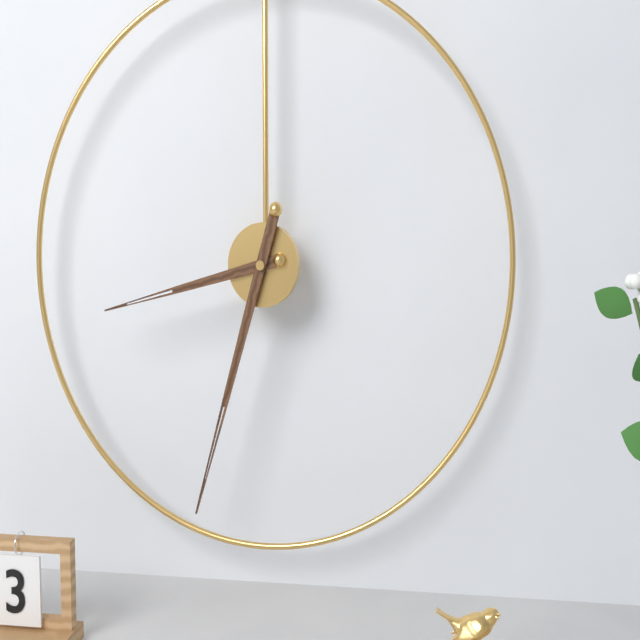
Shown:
8 h 33 min
